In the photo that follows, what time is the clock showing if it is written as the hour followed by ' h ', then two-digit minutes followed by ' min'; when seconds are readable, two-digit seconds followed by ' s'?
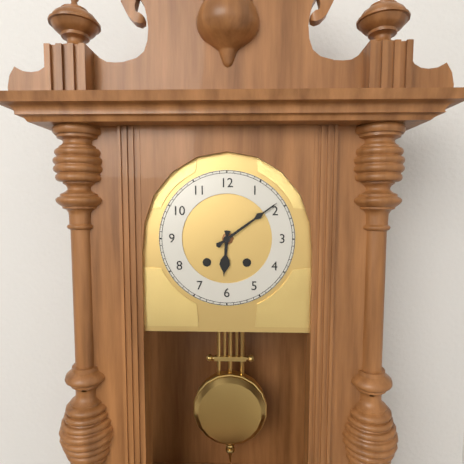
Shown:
6 h 09 min
